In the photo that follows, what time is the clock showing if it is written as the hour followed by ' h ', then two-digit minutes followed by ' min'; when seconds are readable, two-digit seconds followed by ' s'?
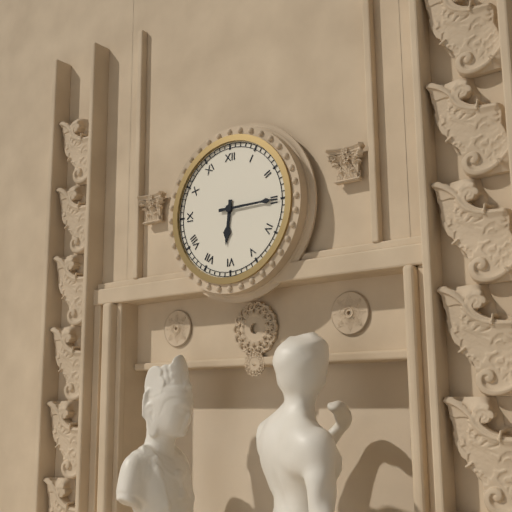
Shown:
6 h 15 min
